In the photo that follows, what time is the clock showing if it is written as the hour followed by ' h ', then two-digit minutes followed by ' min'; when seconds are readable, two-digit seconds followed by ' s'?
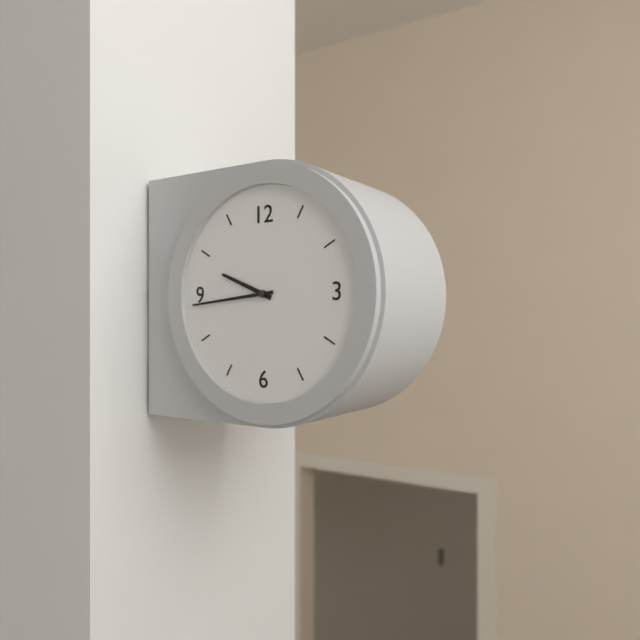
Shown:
9 h 44 min
